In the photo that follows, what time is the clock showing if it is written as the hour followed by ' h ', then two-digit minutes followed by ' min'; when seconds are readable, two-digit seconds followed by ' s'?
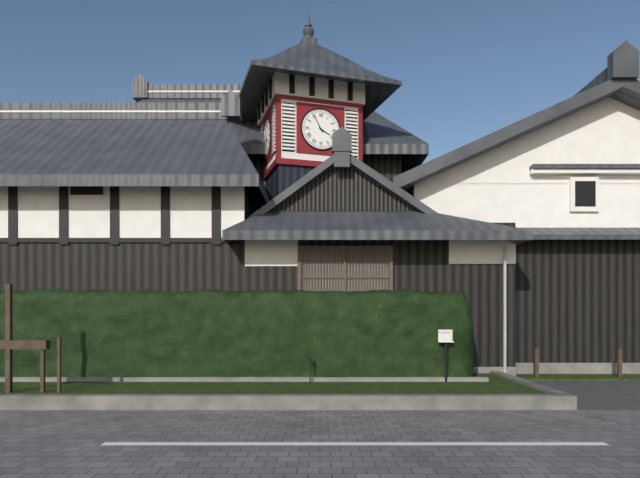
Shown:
3 h 55 min
